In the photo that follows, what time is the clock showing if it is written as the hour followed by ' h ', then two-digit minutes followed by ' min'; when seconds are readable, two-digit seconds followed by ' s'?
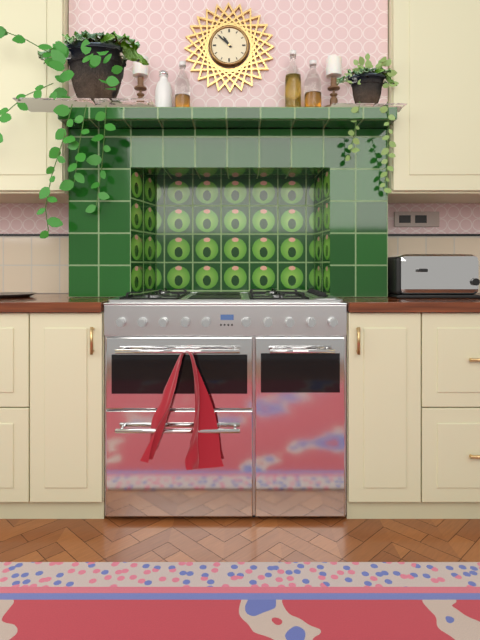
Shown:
10 h 52 min
